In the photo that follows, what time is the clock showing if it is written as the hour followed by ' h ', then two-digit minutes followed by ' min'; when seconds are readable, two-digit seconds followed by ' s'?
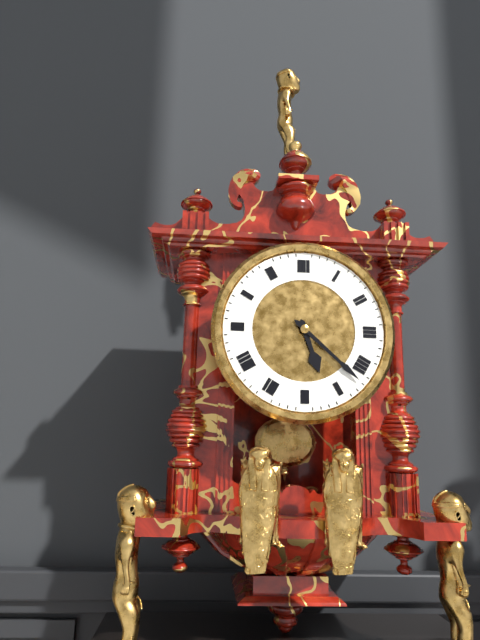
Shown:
5 h 22 min
